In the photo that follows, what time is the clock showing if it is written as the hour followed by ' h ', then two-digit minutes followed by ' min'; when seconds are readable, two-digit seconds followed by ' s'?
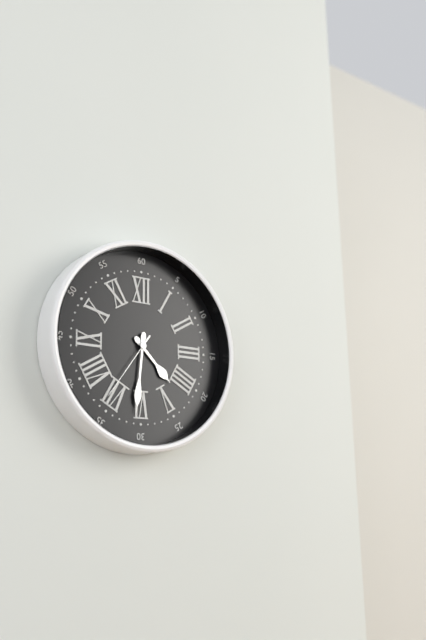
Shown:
4 h 31 min 36 s
